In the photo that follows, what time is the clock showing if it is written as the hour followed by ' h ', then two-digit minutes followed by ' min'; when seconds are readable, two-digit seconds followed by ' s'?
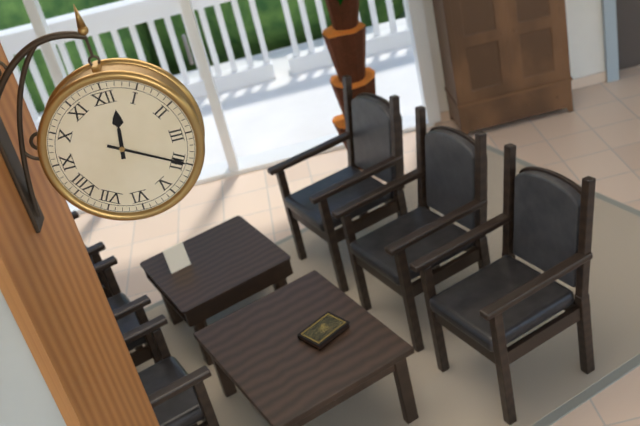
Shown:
12 h 20 min
